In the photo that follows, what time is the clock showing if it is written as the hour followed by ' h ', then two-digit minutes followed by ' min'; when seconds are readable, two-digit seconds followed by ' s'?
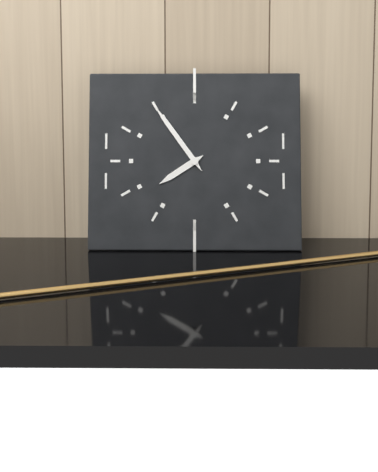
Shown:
7 h 54 min
